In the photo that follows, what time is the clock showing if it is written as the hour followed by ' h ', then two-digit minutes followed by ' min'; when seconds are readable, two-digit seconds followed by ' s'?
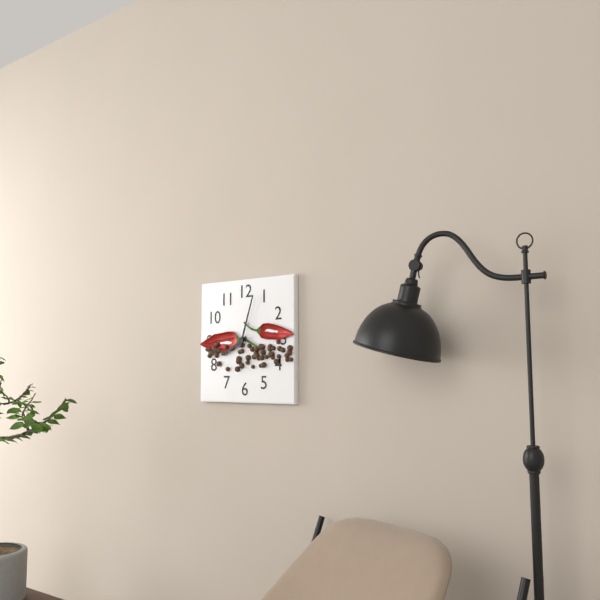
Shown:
8 h 03 min
